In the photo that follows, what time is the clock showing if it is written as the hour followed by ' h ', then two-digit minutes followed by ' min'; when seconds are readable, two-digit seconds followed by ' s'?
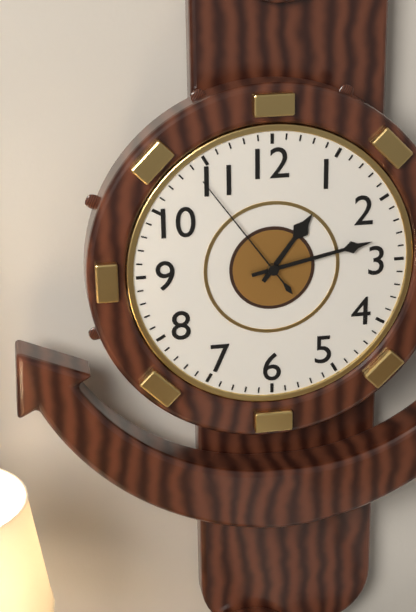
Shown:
1 h 13 min 54 s
